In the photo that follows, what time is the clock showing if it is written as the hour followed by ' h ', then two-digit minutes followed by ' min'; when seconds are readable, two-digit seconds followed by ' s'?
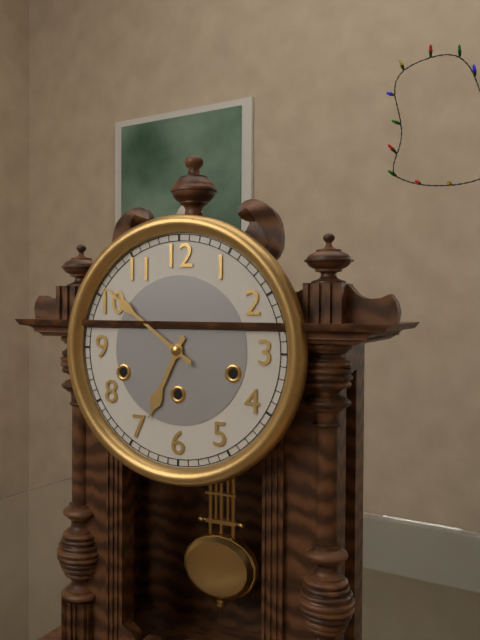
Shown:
6 h 51 min
